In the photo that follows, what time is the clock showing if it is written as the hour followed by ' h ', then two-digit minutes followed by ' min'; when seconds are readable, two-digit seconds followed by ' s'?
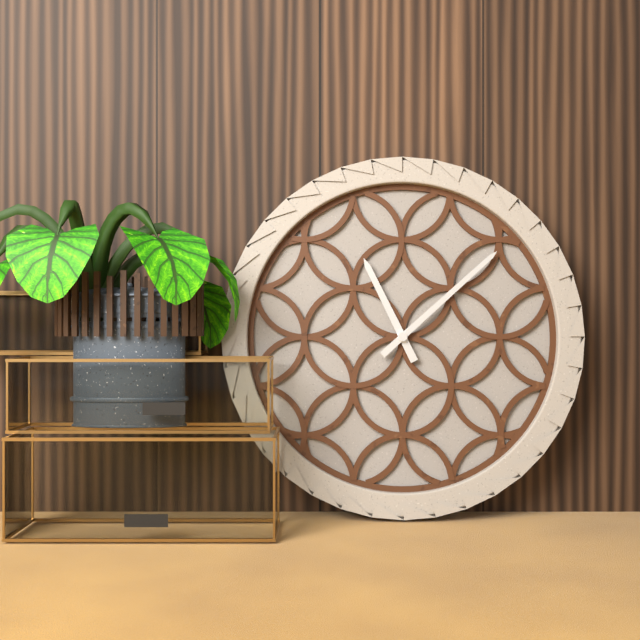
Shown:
11 h 08 min
